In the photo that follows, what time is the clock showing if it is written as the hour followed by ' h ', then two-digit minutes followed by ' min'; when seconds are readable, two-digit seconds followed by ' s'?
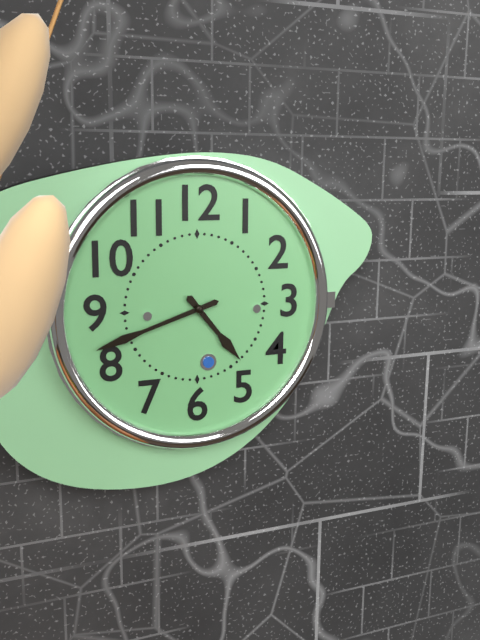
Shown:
4 h 42 min
